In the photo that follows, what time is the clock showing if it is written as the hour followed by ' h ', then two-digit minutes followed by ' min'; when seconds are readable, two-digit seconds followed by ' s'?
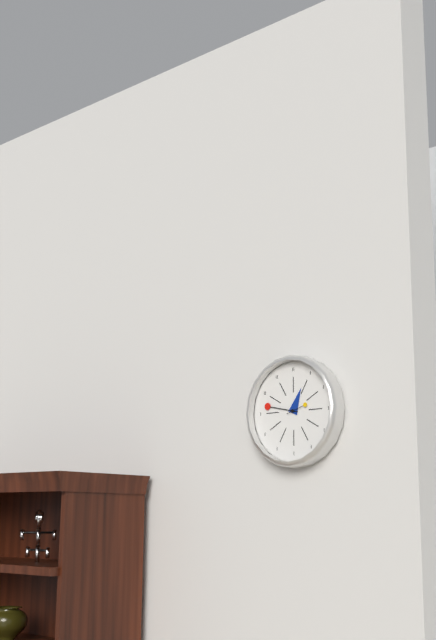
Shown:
12 h 47 min
